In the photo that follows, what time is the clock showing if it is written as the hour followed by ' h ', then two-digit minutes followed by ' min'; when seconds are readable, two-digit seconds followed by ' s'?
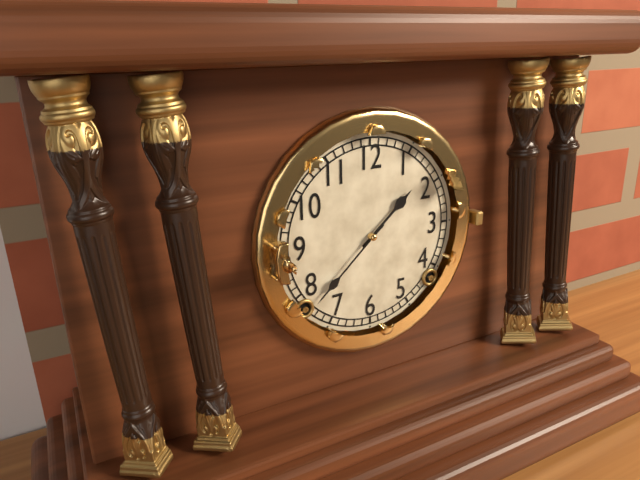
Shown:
1 h 38 min
